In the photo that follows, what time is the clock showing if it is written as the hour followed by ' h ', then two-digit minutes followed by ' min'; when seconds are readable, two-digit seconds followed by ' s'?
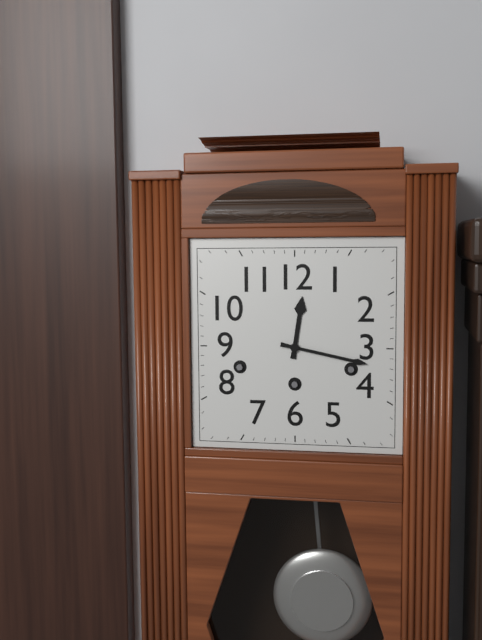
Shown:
12 h 17 min
